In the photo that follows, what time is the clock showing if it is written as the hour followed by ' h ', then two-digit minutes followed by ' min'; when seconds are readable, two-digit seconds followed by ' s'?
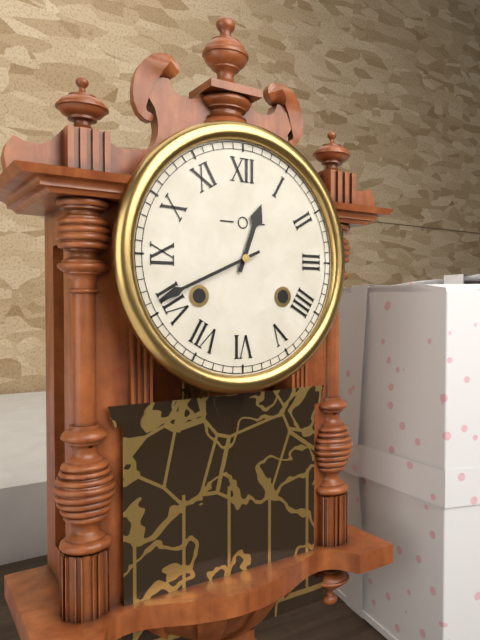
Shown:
12 h 41 min
